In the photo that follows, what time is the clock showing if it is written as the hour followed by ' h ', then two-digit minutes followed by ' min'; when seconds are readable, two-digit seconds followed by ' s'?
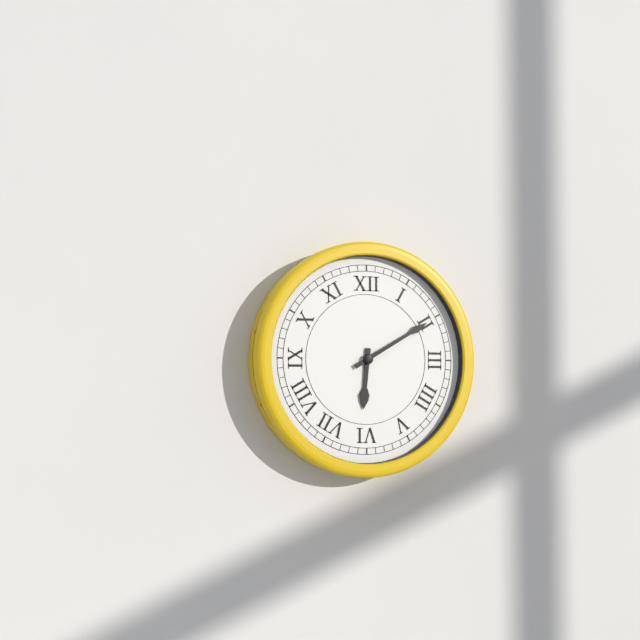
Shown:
6 h 10 min
